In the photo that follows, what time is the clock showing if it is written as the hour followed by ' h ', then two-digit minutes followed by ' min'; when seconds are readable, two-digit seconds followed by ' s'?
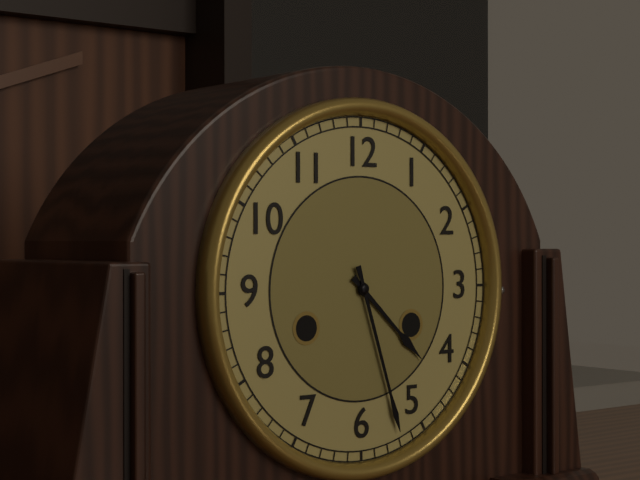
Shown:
4 h 27 min
